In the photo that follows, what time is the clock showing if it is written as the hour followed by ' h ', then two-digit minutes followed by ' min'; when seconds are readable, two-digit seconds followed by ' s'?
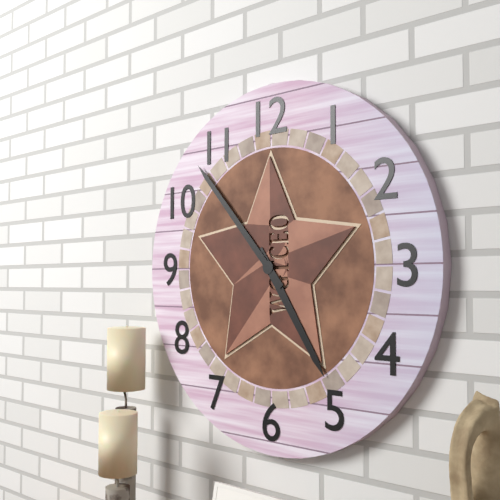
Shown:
4 h 53 min
